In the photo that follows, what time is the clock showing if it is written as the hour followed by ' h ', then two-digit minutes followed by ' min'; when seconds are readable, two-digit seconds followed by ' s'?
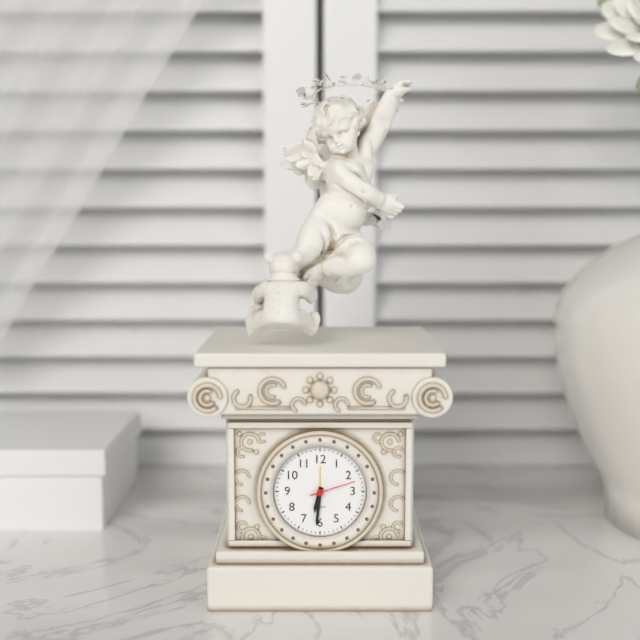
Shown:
6 h 31 min
